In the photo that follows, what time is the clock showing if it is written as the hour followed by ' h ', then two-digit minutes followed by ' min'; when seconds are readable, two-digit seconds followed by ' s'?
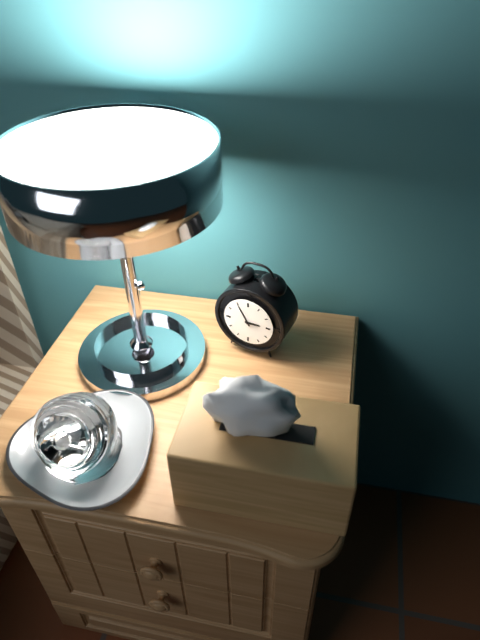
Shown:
2 h 55 min
